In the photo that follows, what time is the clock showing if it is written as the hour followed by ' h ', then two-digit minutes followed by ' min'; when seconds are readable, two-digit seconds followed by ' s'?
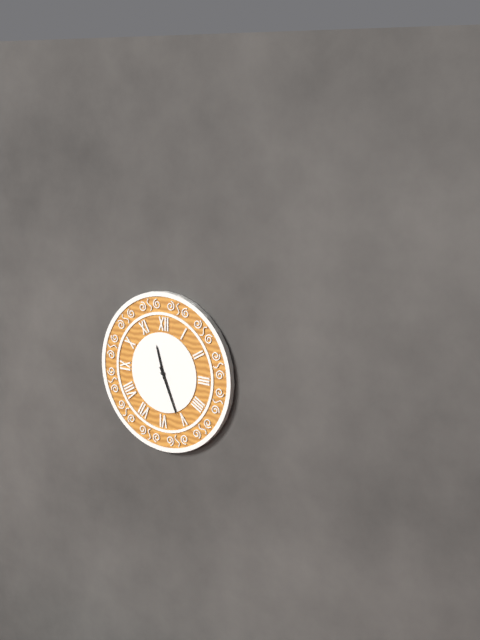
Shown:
11 h 26 min
